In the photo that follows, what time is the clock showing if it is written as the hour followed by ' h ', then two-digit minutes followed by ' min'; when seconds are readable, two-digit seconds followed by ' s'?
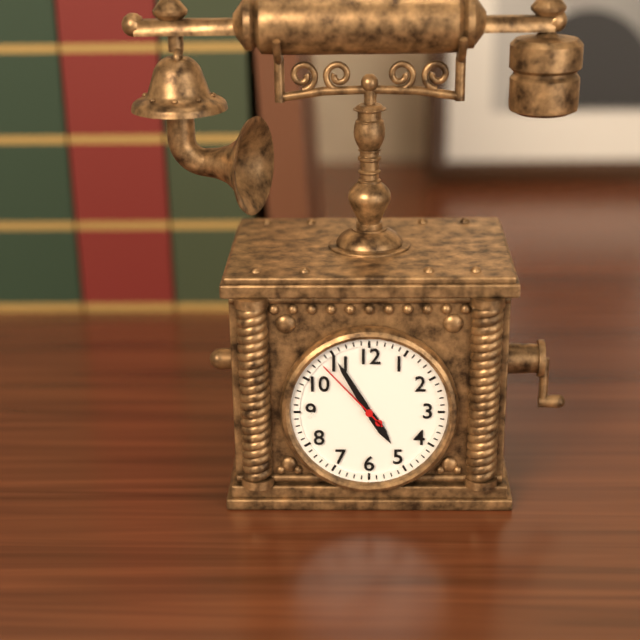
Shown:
4 h 55 min 53 s
